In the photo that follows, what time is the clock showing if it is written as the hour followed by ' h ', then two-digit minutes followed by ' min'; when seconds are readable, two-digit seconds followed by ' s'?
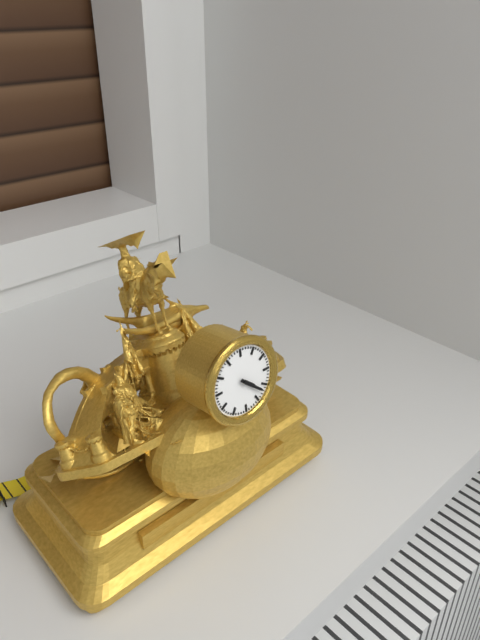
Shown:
4 h 22 min
